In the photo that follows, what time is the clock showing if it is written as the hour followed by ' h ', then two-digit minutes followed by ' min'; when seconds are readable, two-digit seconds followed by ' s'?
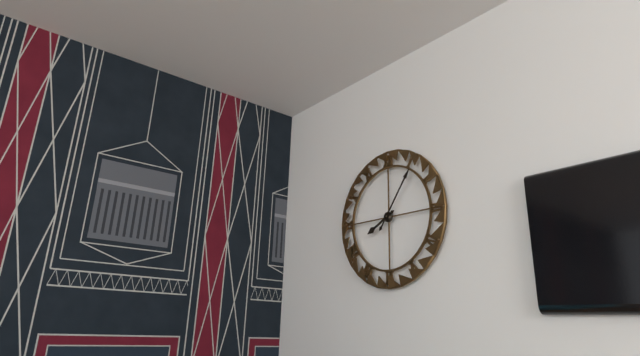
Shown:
8 h 06 min
